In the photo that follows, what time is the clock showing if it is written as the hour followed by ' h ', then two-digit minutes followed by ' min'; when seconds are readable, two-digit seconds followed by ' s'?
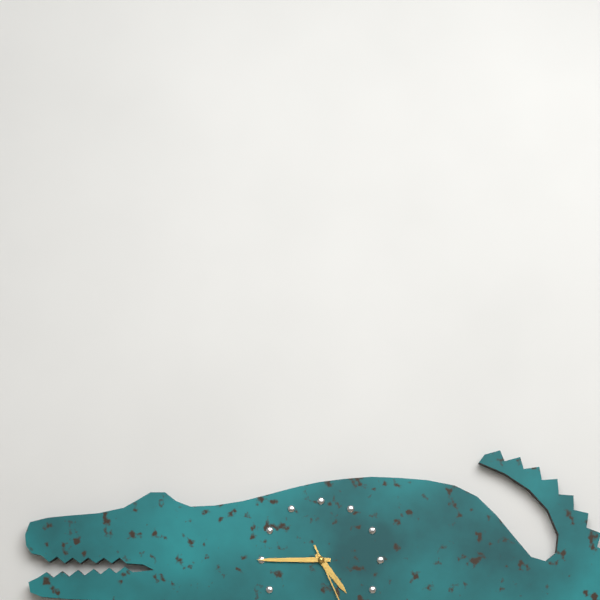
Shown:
4 h 45 min
